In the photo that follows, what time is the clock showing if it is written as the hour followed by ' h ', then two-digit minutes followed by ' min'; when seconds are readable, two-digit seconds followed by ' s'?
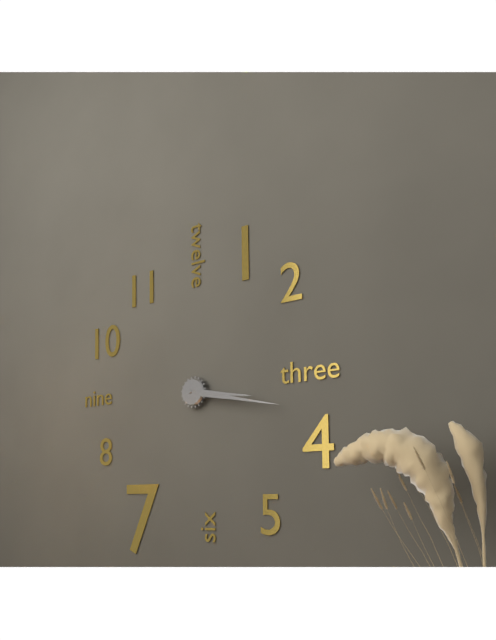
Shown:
3 h 17 min
